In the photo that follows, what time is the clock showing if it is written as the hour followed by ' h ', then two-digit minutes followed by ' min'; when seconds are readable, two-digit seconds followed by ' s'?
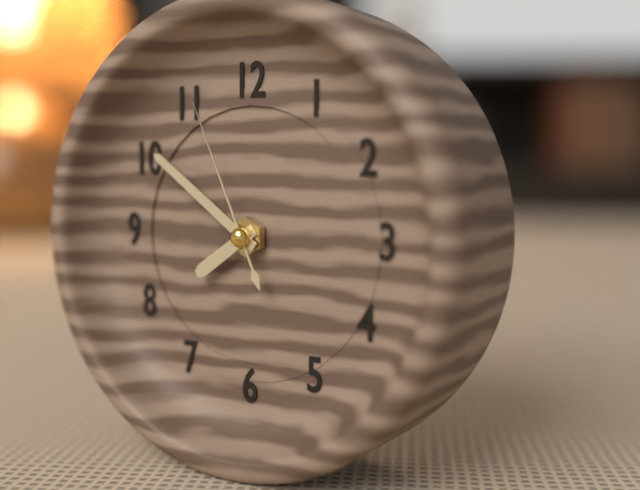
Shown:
7 h 51 min 56 s
